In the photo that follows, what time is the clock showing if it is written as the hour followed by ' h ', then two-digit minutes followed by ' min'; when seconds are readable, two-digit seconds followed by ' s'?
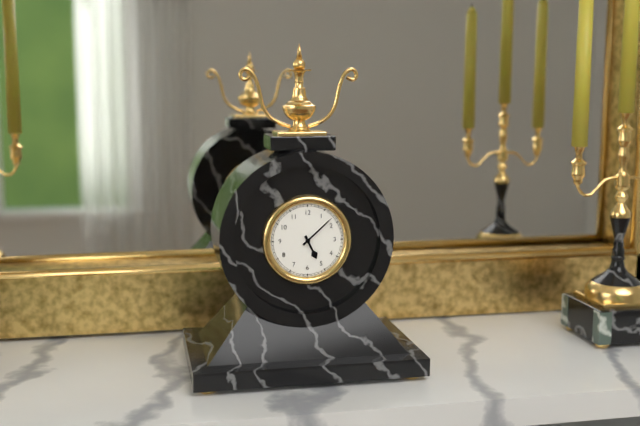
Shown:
5 h 08 min
